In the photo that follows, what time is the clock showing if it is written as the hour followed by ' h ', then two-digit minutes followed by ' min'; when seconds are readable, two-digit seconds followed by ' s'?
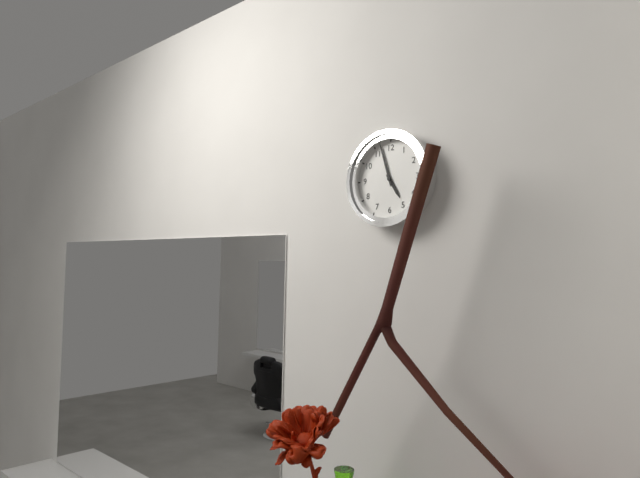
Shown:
4 h 57 min
